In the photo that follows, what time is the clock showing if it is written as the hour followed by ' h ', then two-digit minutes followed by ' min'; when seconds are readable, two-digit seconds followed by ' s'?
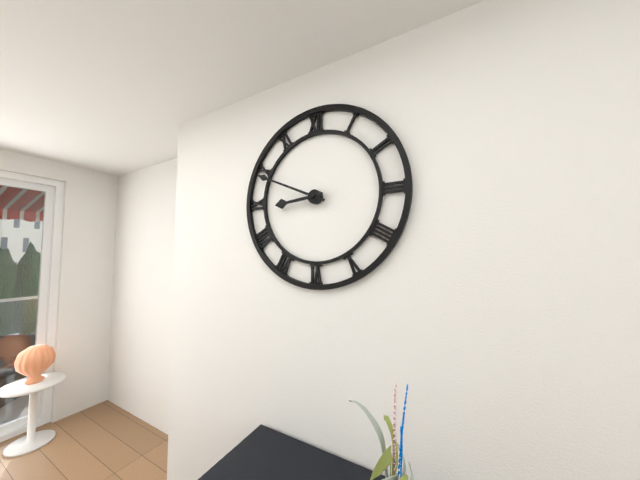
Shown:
8 h 49 min
